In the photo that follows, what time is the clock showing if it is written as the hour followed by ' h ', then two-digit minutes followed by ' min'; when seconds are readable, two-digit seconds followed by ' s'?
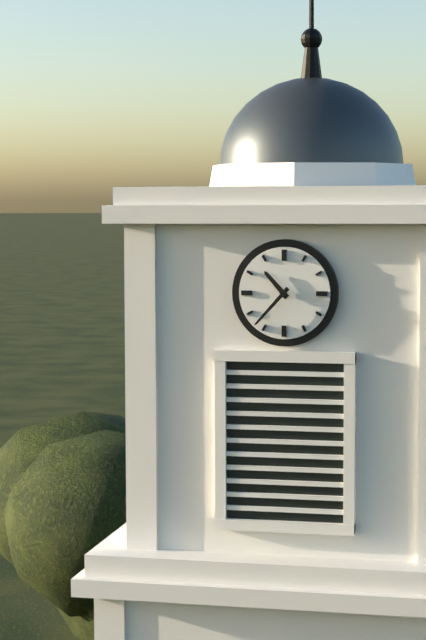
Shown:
10 h 37 min
